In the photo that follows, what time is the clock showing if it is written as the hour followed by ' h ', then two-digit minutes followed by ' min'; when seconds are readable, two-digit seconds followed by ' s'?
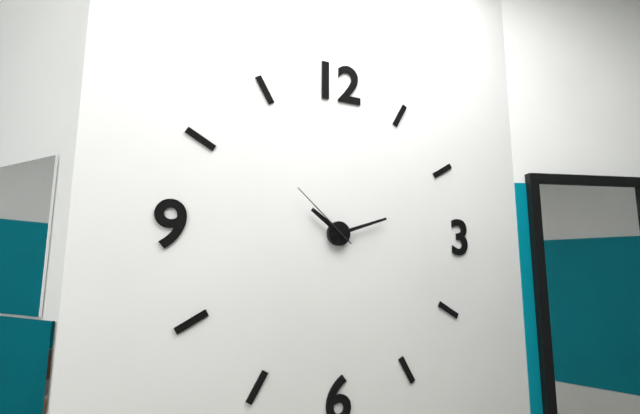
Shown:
10 h 12 min 52 s
